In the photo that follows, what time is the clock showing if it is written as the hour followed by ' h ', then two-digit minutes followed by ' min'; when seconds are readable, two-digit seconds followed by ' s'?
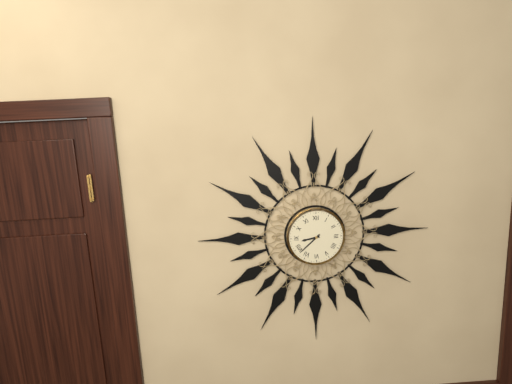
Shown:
8 h 38 min
